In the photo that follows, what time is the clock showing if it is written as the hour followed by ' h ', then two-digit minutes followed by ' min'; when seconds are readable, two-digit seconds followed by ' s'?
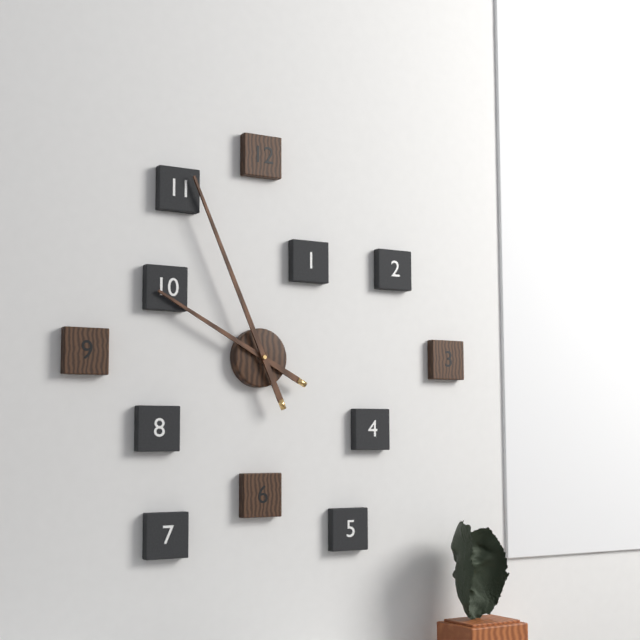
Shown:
9 h 56 min
